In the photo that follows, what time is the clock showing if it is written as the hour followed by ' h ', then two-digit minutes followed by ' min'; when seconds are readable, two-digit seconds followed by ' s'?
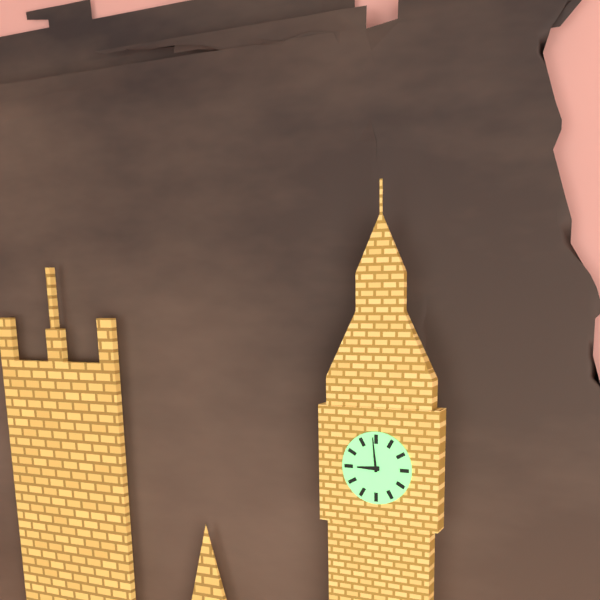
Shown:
8 h 59 min
